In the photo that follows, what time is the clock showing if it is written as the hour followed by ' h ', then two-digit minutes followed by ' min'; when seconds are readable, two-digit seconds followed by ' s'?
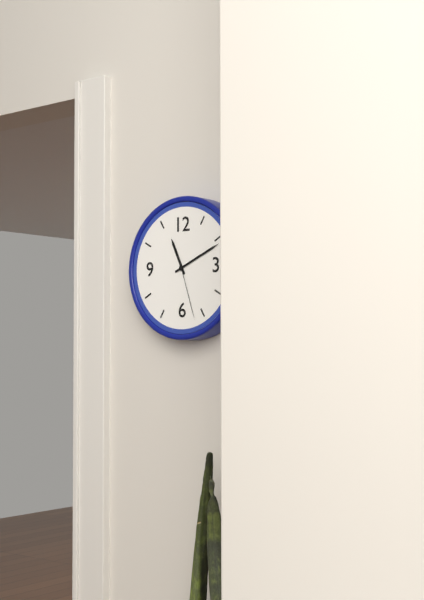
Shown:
11 h 11 min 27 s
